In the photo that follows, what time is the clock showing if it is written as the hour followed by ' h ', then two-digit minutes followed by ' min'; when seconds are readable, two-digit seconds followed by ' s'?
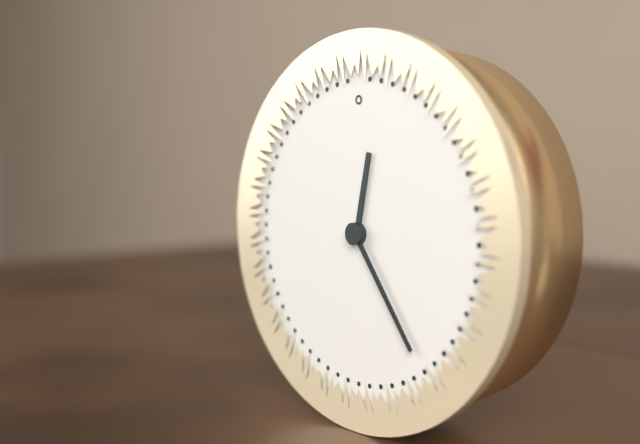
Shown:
12 h 24 min
